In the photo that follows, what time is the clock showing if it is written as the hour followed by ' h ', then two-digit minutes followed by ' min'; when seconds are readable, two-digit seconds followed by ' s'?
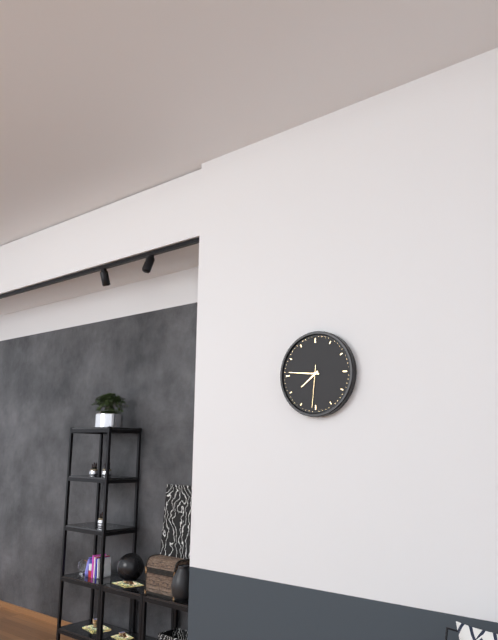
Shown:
7 h 46 min
